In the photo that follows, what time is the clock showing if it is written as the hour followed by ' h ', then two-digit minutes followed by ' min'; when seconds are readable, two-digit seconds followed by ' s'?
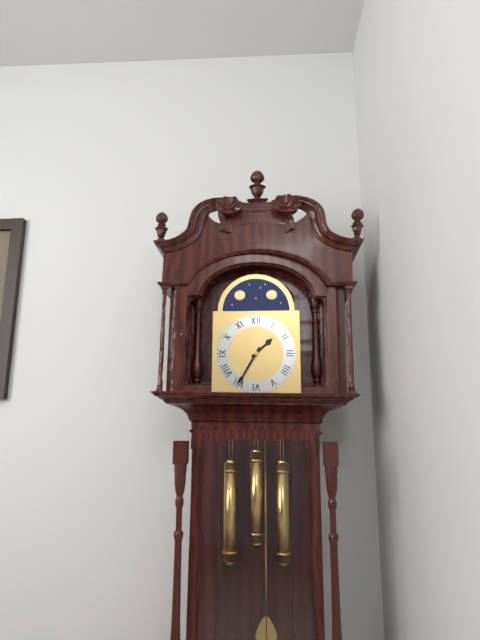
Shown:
1 h 35 min
